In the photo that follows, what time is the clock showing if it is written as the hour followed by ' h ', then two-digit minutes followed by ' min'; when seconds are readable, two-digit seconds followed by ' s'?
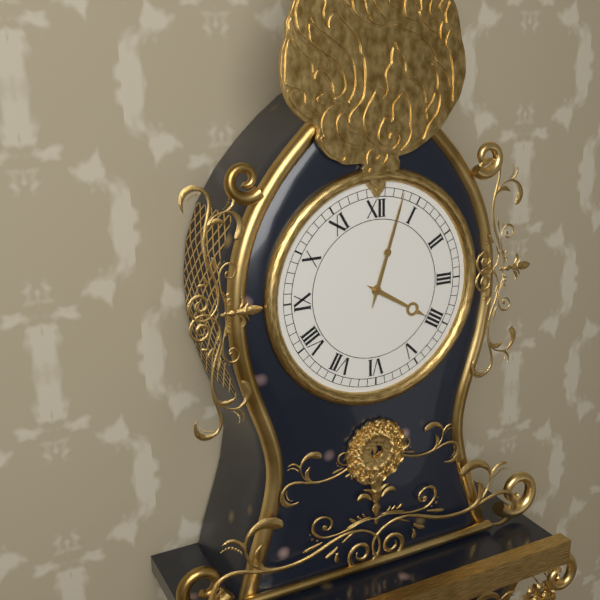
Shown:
4 h 03 min
